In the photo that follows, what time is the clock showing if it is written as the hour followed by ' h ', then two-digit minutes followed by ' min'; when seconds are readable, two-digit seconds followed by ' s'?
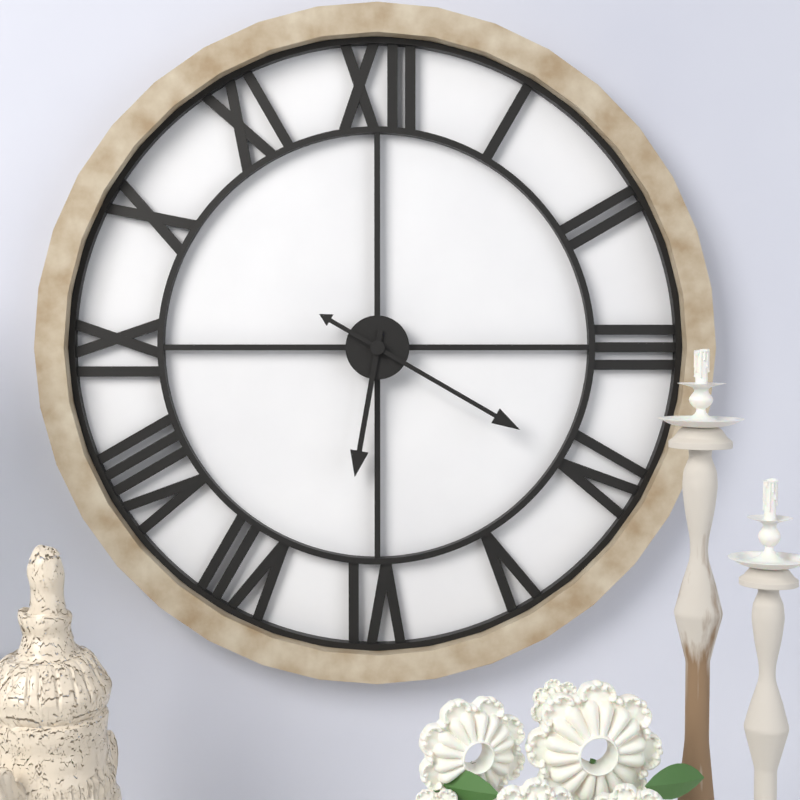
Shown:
6 h 20 min
